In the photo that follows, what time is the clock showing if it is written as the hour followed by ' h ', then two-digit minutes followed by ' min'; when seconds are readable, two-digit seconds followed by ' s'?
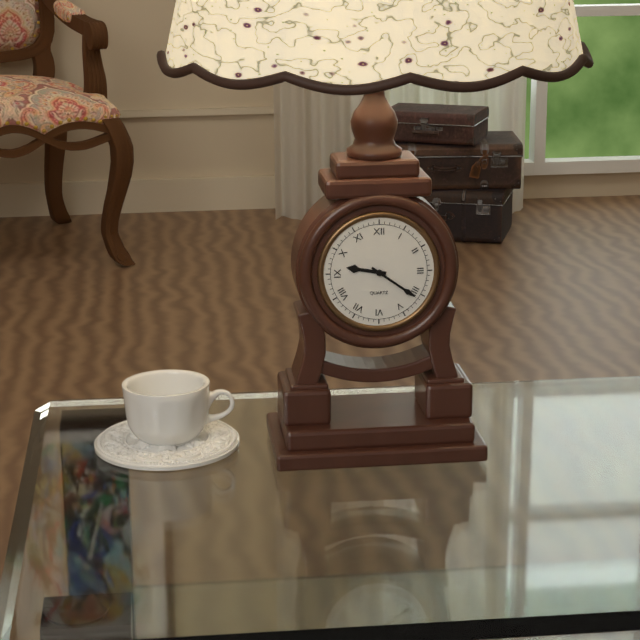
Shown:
9 h 21 min
